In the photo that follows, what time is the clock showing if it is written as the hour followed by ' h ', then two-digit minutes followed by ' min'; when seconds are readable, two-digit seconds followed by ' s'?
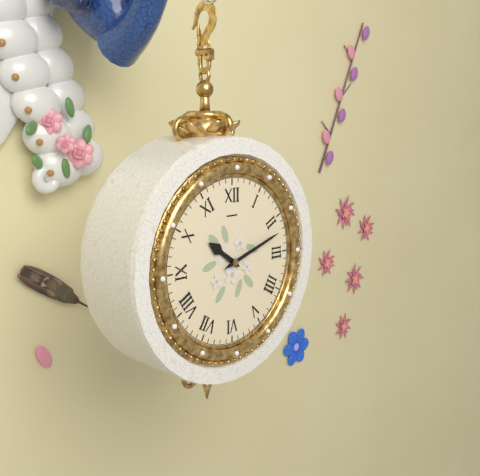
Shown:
10 h 12 min
